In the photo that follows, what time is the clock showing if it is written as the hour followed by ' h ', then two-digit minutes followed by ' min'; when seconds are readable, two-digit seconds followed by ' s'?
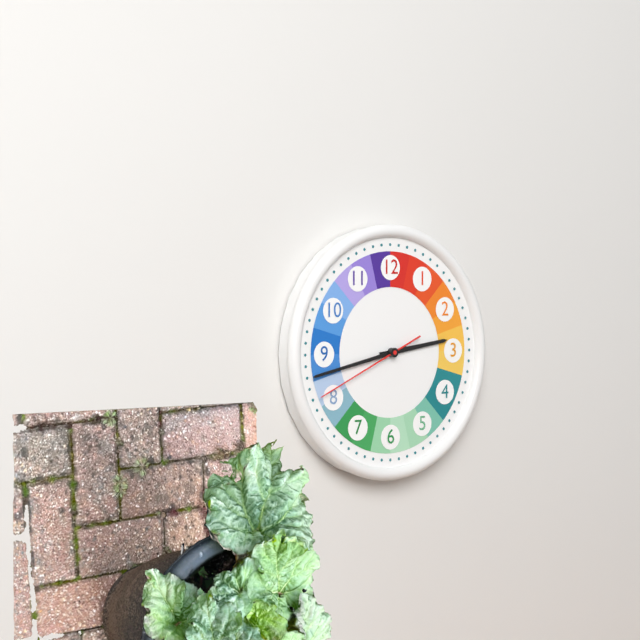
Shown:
2 h 43 min 41 s
